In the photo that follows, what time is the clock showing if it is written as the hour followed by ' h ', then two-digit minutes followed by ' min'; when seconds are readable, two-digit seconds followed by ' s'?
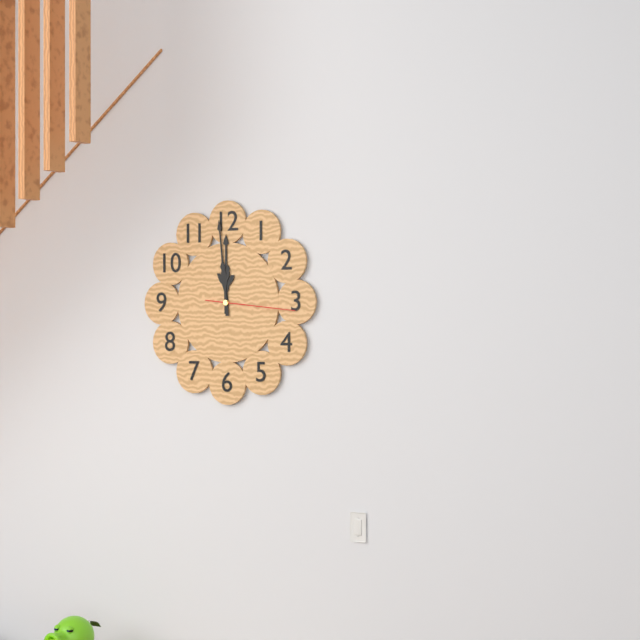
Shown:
11 h 59 min 16 s
